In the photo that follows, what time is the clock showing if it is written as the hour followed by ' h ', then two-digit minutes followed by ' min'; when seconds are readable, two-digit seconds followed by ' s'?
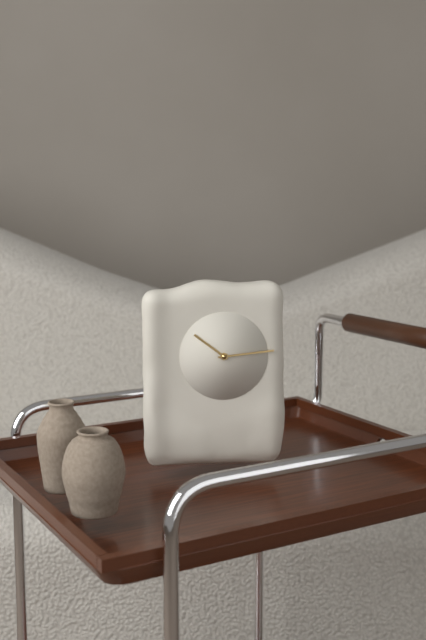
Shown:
10 h 14 min
